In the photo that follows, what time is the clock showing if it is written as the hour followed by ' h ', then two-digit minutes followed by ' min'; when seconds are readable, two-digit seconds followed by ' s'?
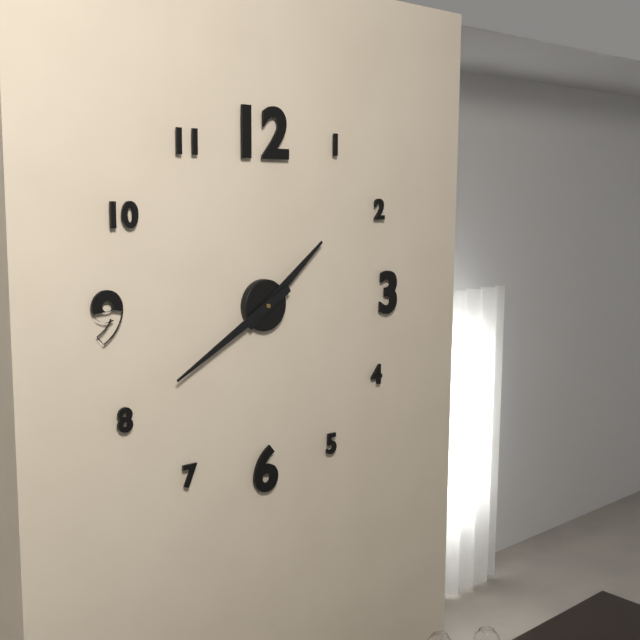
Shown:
1 h 40 min
